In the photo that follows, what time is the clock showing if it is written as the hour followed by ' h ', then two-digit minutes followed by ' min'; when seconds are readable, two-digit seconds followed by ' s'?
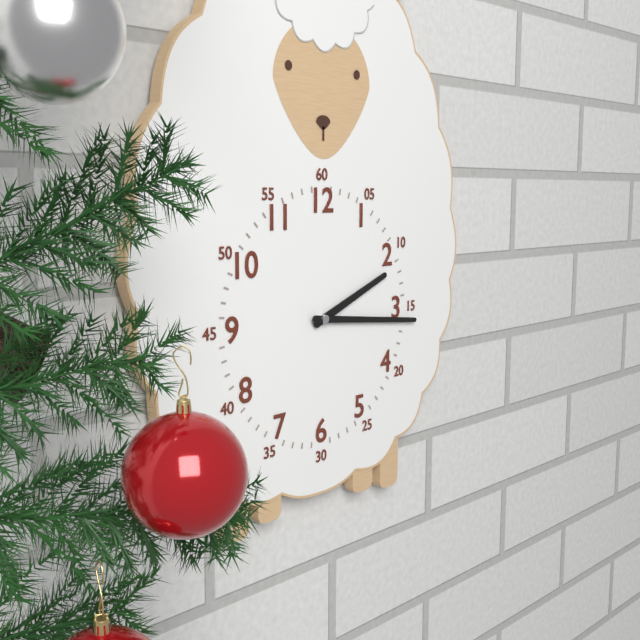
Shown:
2 h 16 min
